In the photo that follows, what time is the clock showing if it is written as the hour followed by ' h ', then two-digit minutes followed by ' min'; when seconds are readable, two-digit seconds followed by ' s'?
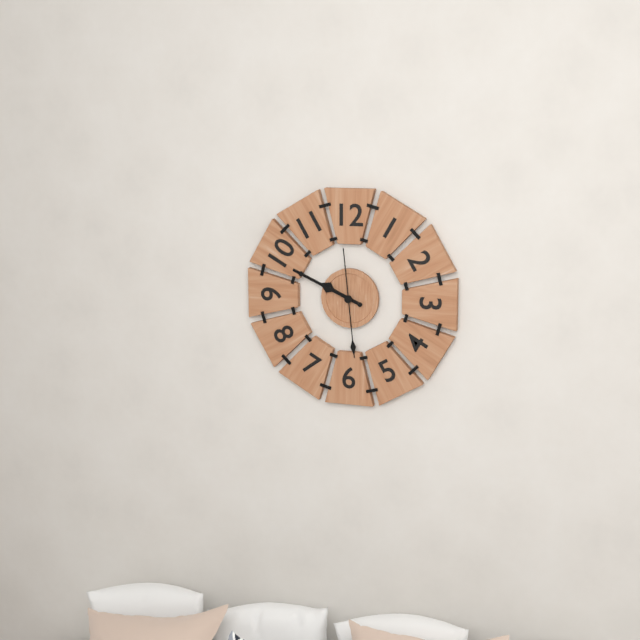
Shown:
9 h 49 min 29 s
